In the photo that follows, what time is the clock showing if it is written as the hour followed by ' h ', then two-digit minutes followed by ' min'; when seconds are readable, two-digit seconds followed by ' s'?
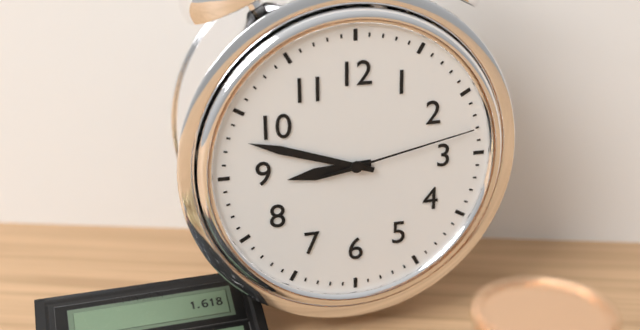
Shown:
8 h 48 min 13 s
